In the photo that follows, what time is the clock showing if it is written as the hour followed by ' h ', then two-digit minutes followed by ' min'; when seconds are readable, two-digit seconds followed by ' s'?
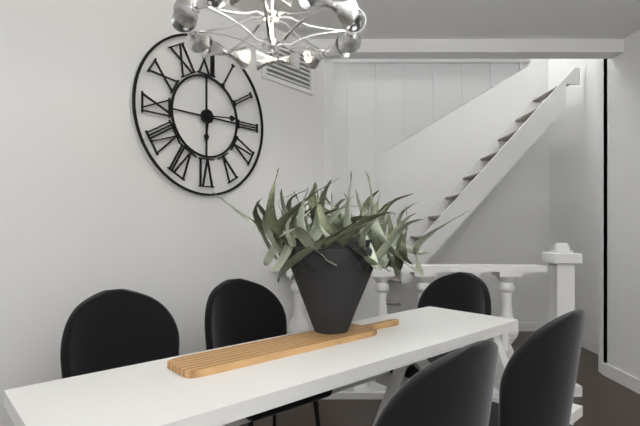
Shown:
6 h 14 min
